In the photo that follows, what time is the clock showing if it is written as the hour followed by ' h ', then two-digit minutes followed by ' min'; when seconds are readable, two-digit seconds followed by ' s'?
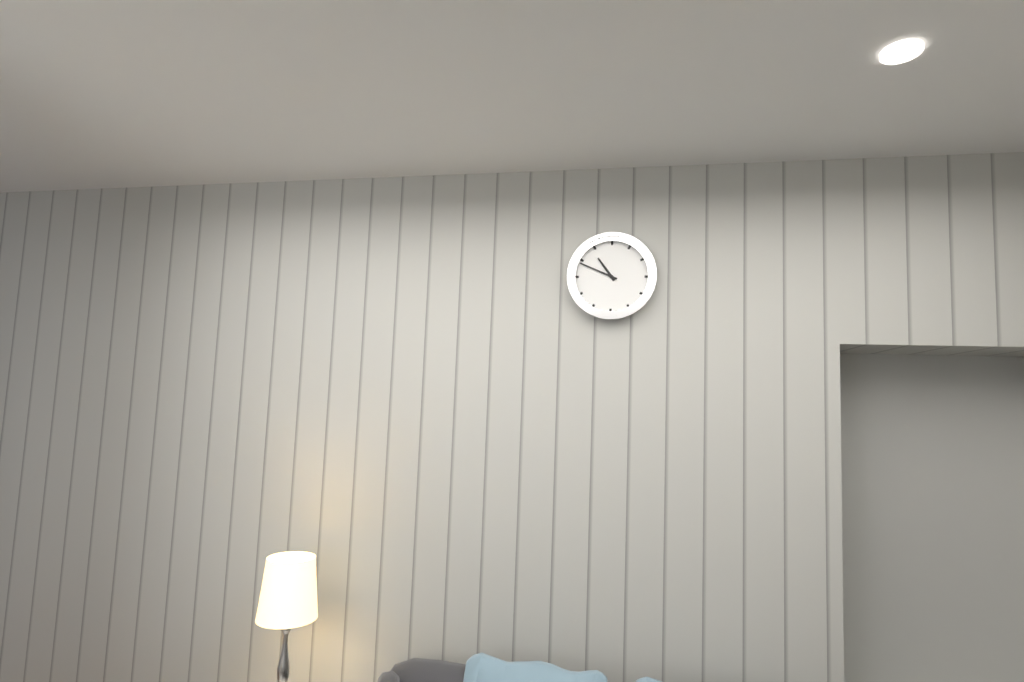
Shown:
10 h 49 min
